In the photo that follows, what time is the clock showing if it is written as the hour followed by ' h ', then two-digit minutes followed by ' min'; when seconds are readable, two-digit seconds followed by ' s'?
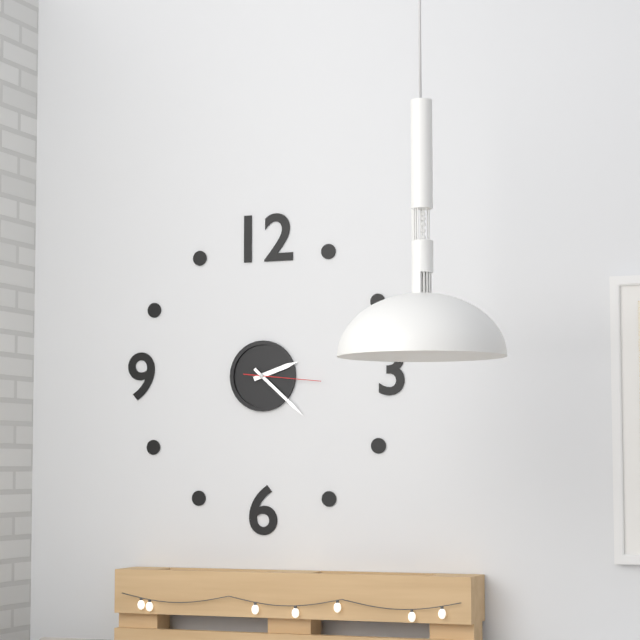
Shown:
2 h 22 min 16 s
